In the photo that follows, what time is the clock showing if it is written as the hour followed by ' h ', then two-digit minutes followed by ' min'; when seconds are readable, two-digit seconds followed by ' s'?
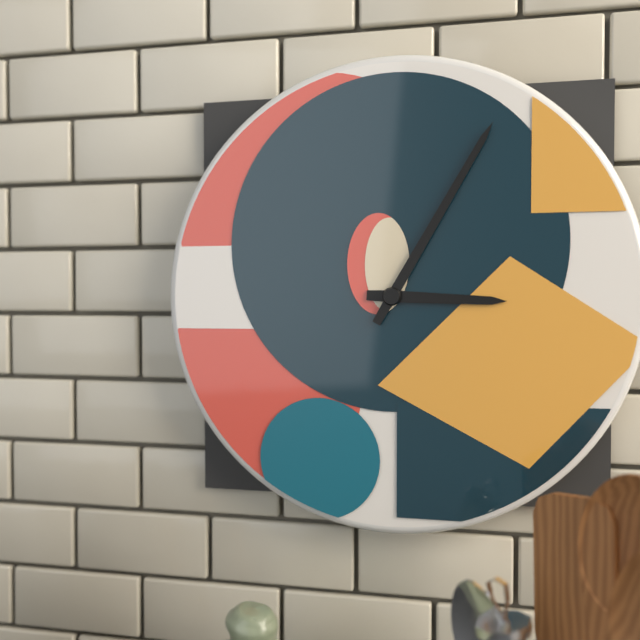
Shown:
3 h 05 min
